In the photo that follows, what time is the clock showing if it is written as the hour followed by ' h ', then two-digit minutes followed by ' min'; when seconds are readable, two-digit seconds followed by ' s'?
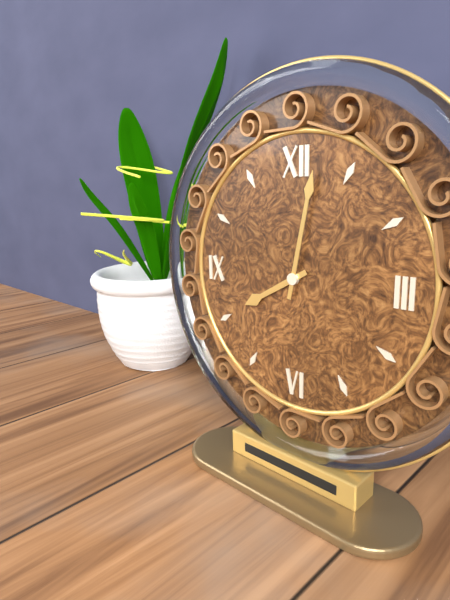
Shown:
8 h 02 min
